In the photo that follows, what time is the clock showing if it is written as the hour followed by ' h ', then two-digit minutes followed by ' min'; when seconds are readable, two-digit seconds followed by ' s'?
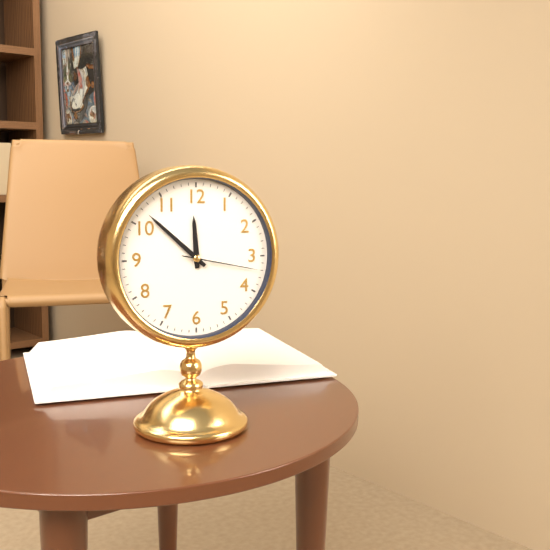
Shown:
11 h 52 min 17 s
